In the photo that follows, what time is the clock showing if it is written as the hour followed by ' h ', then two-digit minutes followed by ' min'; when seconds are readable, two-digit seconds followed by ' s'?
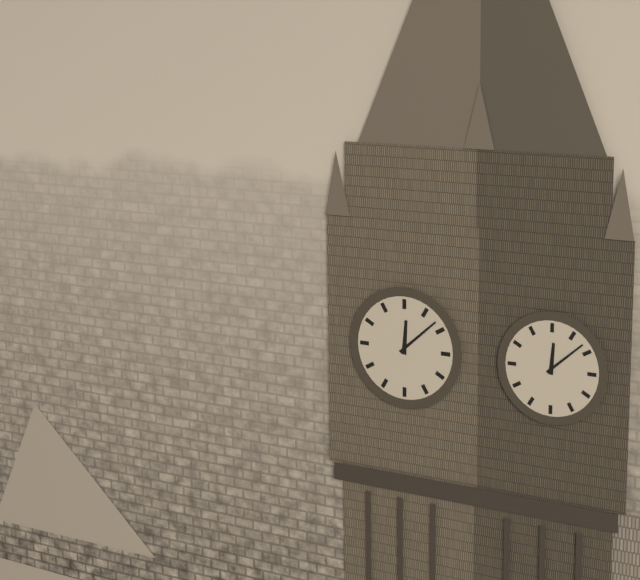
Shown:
12 h 08 min
